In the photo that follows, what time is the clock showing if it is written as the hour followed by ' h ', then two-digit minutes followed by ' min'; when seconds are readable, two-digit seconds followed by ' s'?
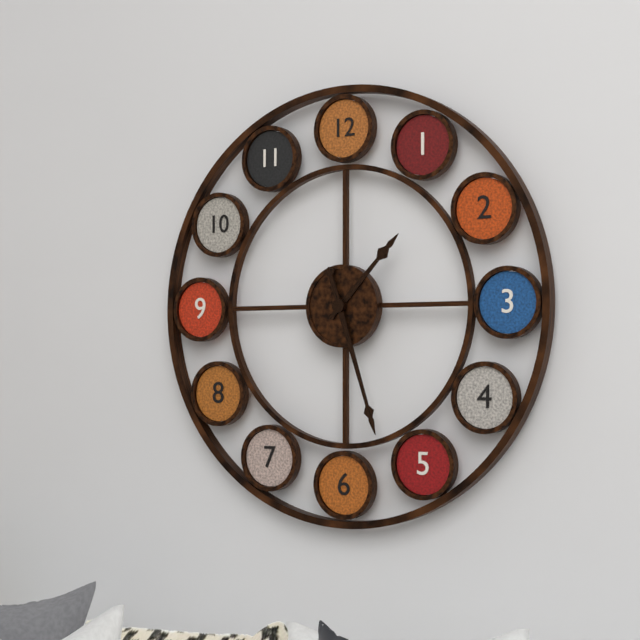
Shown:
1 h 27 min
